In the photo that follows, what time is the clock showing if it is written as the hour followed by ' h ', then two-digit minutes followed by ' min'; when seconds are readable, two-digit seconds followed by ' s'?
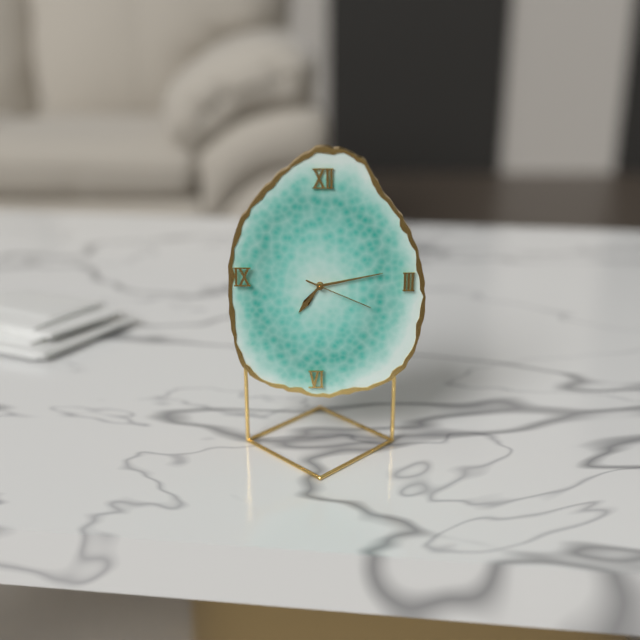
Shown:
7 h 13 min 19 s
